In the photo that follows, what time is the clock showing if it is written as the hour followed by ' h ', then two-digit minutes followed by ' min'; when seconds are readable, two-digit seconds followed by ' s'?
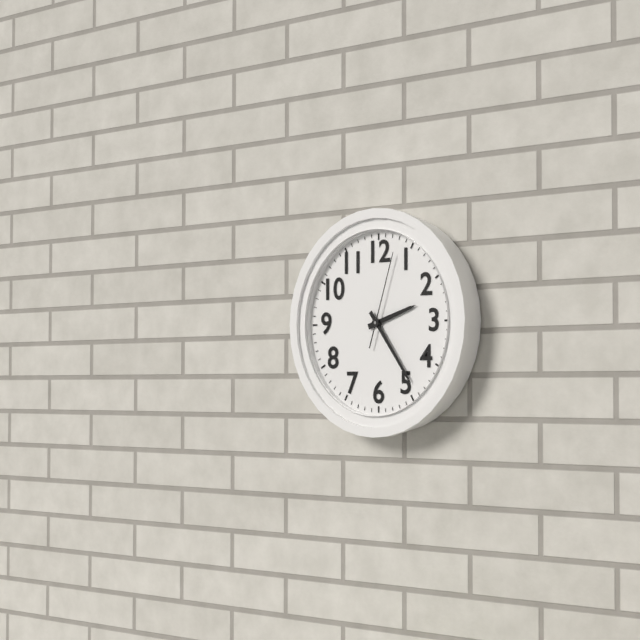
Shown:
2 h 24 min 03 s
